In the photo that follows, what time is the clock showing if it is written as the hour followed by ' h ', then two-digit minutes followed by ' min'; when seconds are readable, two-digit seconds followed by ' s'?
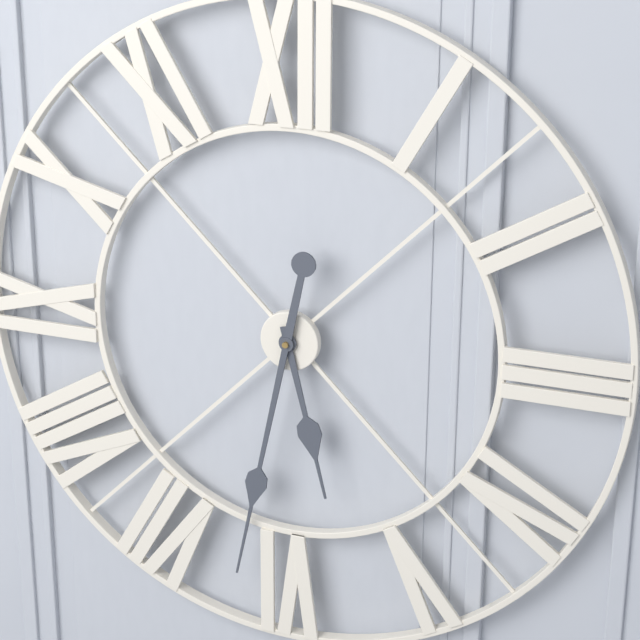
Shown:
5 h 32 min
